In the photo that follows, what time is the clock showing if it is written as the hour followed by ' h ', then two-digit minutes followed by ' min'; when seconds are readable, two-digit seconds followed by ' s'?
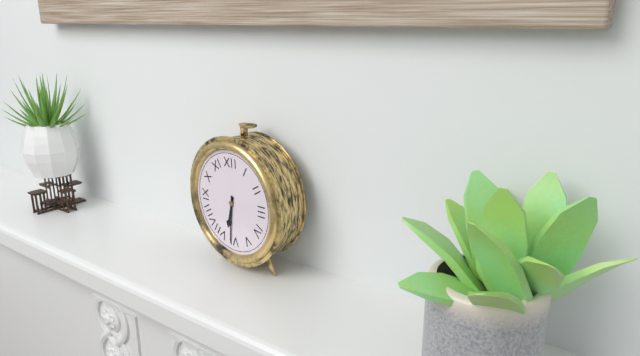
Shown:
6 h 31 min
